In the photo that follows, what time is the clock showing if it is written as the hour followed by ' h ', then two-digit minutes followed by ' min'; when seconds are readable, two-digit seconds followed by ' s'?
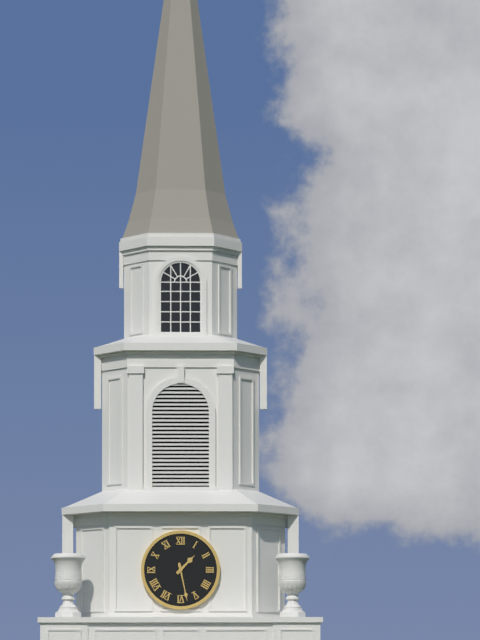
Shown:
1 h 28 min
